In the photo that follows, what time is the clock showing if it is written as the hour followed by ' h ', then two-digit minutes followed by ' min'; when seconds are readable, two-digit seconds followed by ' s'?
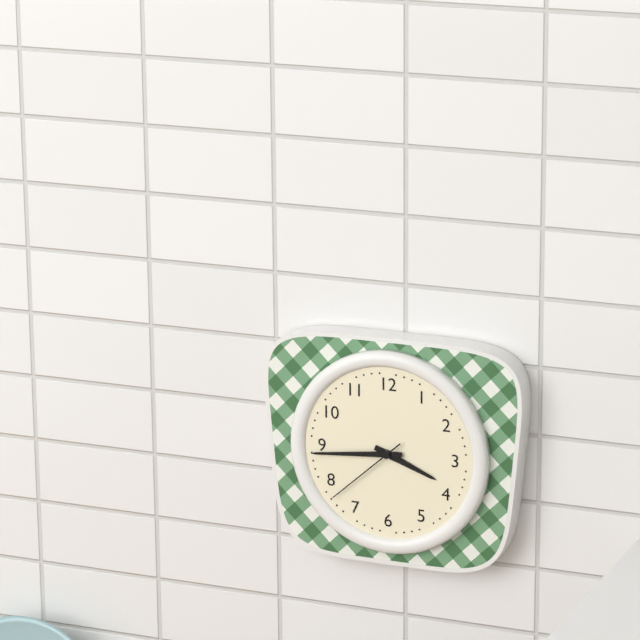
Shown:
3 h 44 min 38 s
